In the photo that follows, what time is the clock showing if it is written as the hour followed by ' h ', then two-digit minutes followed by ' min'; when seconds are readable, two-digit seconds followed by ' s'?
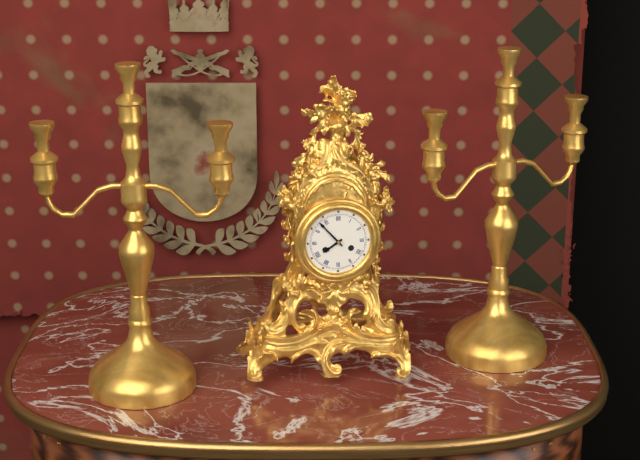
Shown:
7 h 53 min
